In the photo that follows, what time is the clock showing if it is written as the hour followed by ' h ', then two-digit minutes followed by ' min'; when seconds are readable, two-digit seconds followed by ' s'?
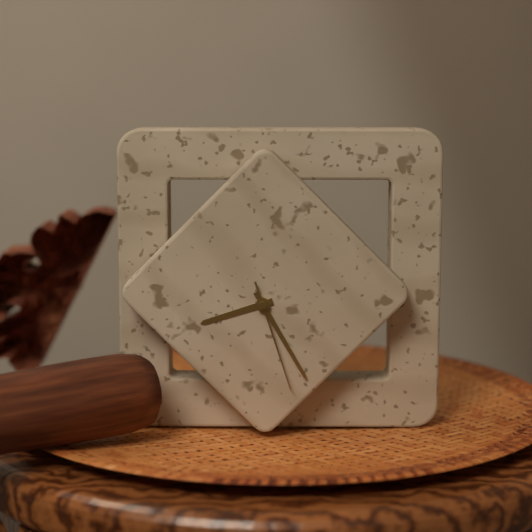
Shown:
8 h 25 min 27 s
